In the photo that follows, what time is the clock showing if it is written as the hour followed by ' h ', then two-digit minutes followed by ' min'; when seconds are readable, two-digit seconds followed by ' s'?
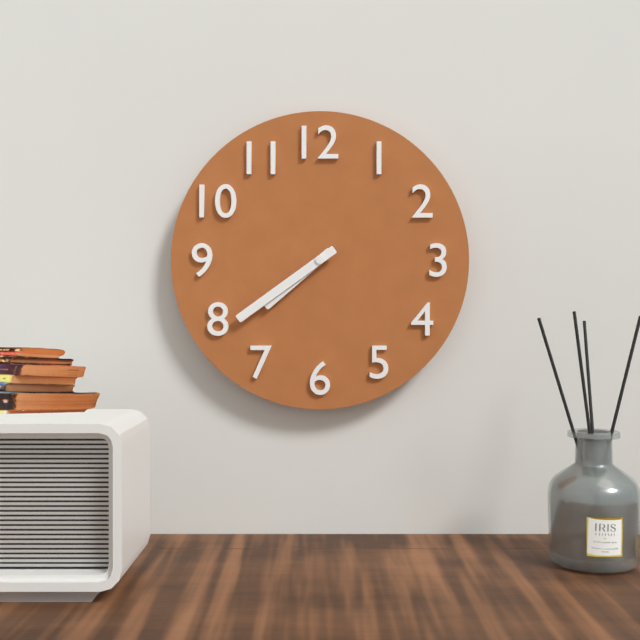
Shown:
7 h 39 min
